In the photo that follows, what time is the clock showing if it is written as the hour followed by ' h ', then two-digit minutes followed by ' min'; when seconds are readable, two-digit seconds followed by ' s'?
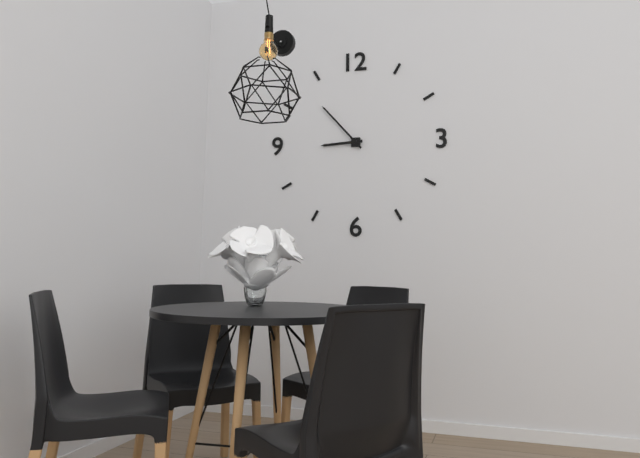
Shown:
8 h 53 min
